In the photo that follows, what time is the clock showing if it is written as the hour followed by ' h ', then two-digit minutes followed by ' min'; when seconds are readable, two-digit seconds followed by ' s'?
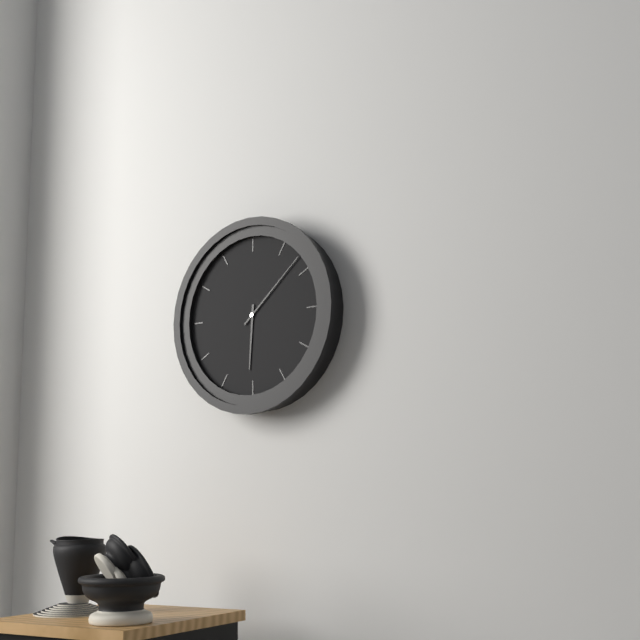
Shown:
6 h 08 min
